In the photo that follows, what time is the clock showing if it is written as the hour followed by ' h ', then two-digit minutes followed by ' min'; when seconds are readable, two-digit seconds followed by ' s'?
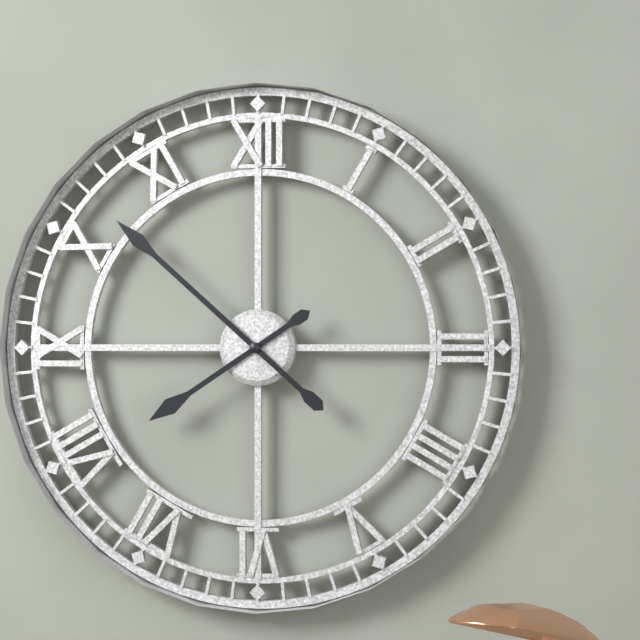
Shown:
7 h 52 min
